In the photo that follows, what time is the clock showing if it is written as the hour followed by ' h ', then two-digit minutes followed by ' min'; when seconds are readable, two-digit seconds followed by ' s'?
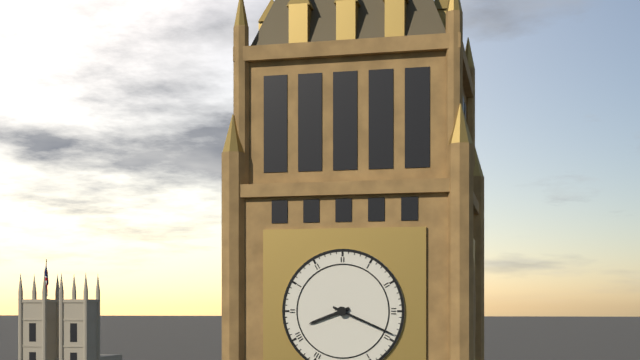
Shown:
8 h 19 min
